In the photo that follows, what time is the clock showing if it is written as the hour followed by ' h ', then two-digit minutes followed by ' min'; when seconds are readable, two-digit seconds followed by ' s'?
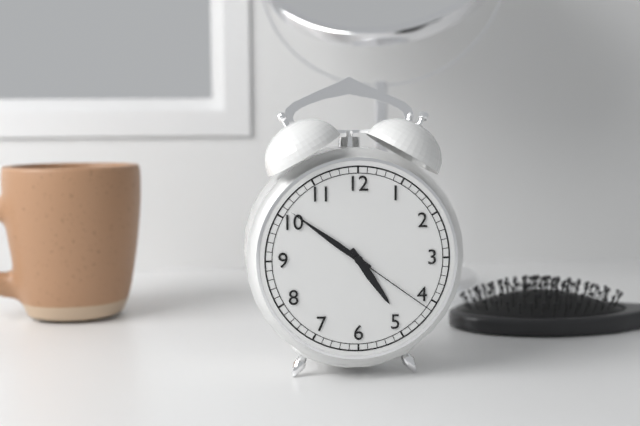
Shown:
4 h 51 min 21 s
